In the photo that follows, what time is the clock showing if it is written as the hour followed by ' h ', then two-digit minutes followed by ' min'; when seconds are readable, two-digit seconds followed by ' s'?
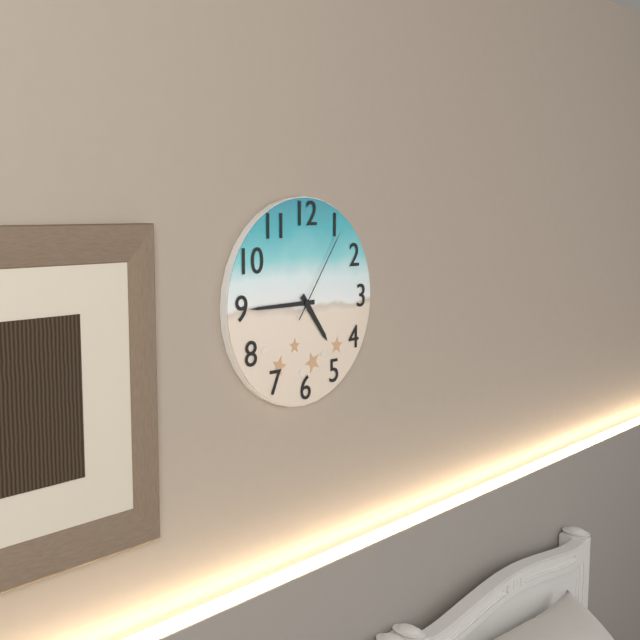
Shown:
4 h 45 min 06 s
